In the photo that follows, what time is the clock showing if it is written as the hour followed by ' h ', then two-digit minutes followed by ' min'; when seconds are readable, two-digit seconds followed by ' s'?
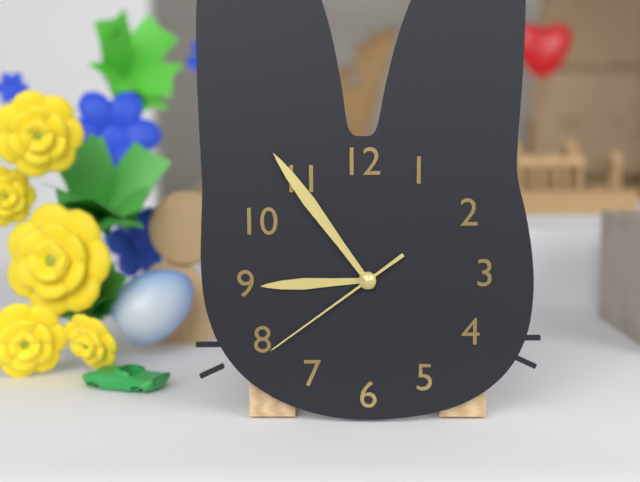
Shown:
8 h 54 min 39 s
